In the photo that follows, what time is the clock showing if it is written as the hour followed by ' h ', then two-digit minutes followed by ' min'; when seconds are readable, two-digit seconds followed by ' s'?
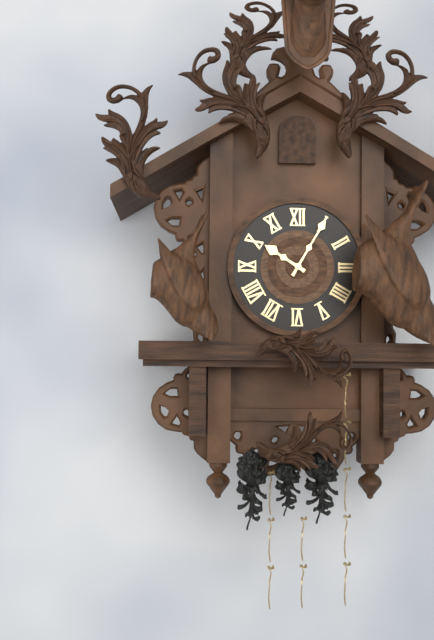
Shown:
10 h 05 min
